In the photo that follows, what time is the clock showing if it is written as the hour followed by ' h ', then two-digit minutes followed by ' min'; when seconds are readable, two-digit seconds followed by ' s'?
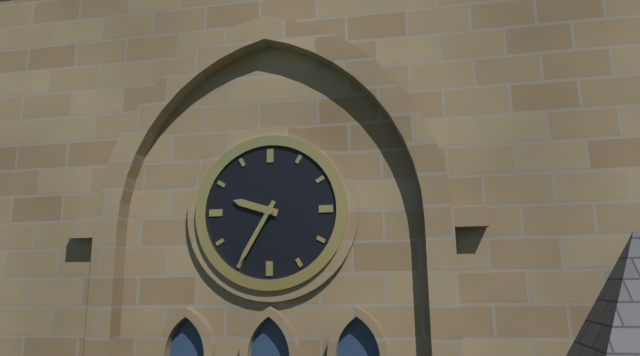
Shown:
9 h 35 min
